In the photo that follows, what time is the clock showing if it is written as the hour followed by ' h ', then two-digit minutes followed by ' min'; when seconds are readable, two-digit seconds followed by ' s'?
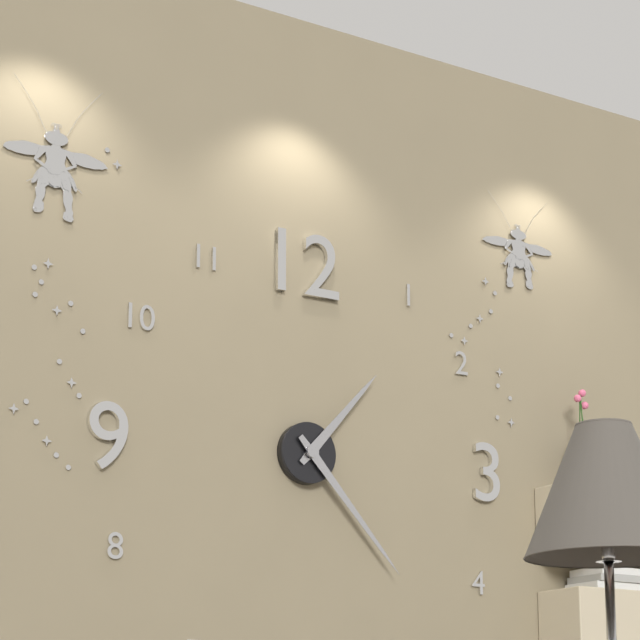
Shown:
1 h 23 min
